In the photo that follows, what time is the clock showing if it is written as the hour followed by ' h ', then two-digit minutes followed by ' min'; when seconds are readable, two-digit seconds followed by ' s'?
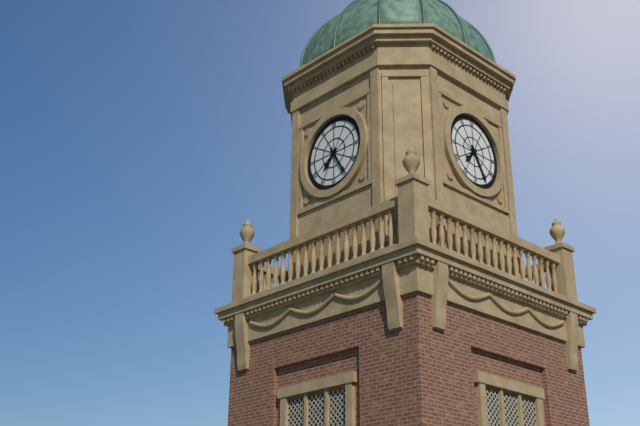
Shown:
7 h 25 min
